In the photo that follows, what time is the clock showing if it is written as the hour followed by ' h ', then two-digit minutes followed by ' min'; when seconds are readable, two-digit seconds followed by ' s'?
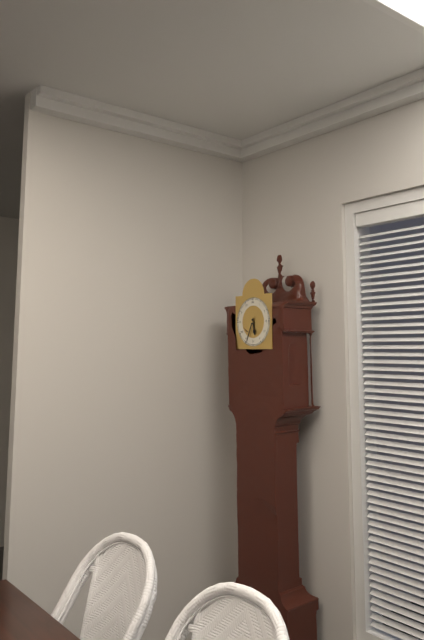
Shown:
5 h 34 min
